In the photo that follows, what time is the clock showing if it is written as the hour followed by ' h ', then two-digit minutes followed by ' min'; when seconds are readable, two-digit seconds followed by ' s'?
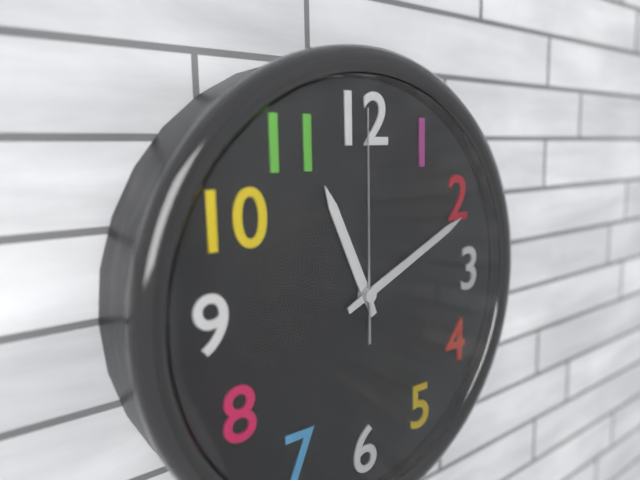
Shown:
11 h 11 min 00 s
